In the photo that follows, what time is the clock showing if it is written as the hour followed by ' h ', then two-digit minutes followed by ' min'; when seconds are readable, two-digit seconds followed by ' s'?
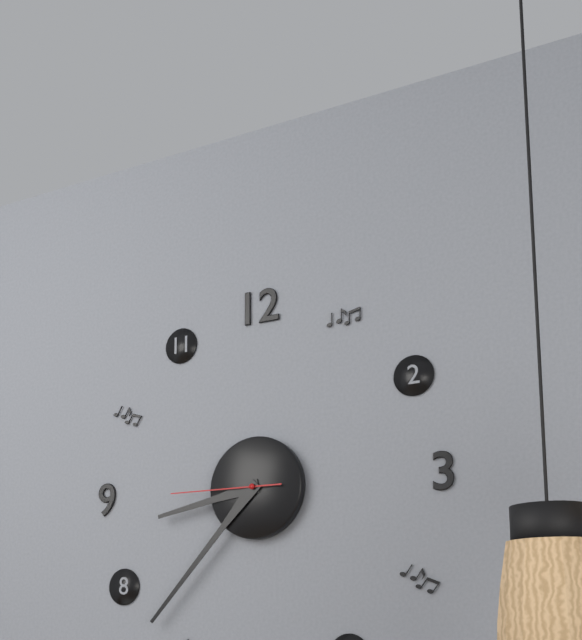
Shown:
8 h 37 min 45 s
